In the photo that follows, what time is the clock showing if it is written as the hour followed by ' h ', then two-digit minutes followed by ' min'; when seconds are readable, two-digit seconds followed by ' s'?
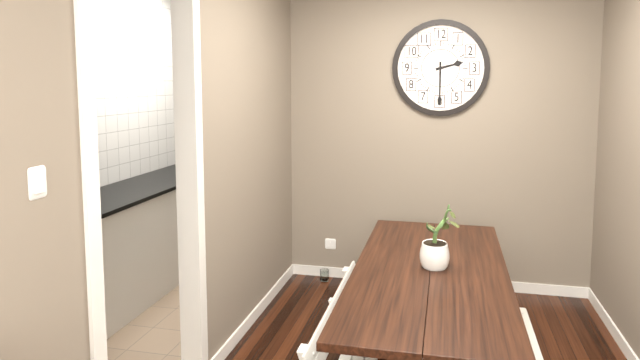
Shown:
2 h 30 min
